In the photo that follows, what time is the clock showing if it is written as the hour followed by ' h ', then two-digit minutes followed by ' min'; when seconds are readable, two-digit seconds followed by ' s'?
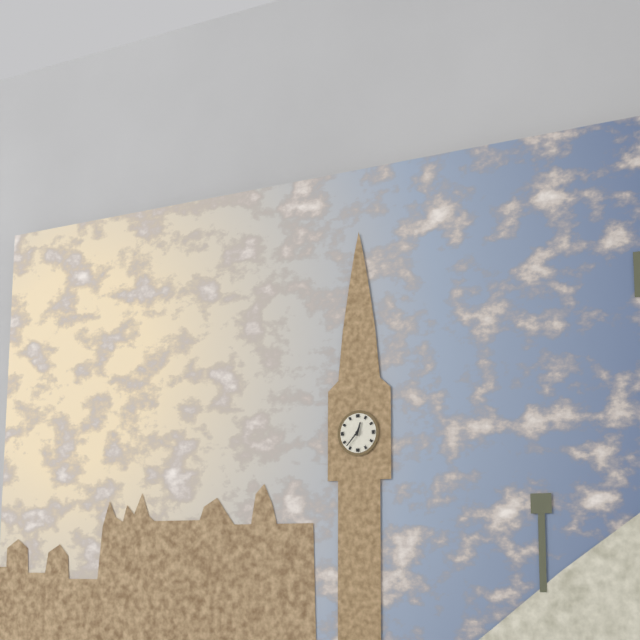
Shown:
12 h 37 min
